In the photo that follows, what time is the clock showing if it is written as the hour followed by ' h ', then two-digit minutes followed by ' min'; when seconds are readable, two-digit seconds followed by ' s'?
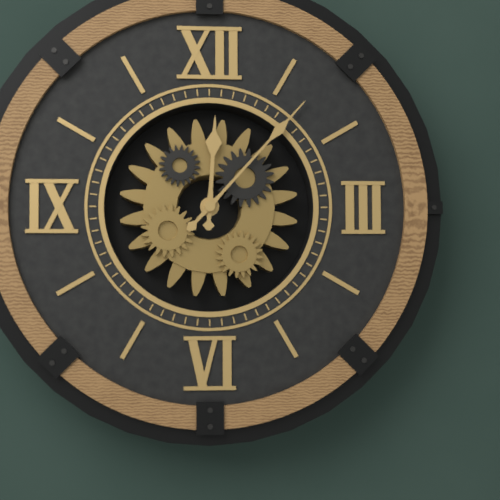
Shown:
12 h 07 min
